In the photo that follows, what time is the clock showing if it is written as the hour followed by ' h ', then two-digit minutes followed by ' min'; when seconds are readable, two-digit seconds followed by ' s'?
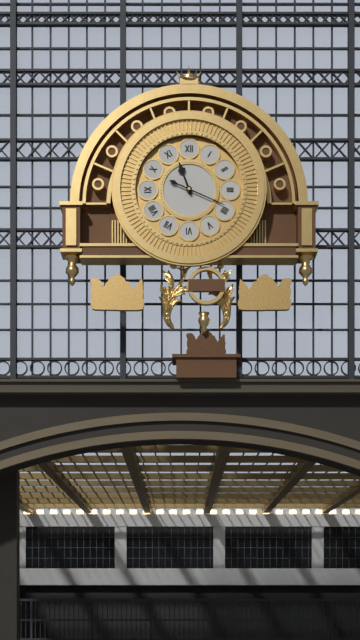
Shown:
11 h 19 min
